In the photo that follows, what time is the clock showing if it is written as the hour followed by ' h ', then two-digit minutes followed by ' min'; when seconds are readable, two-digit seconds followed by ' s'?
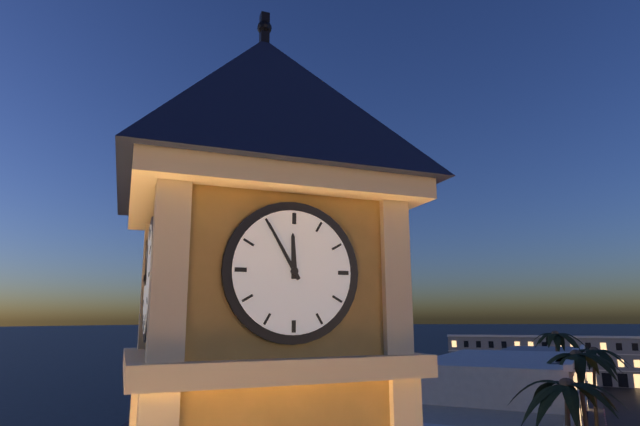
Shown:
11 h 55 min
